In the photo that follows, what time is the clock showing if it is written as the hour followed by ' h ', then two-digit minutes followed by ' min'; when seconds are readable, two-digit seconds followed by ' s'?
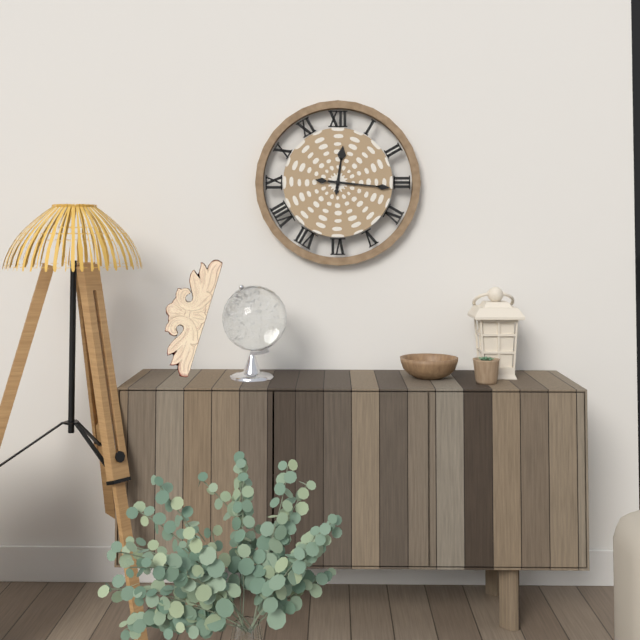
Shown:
12 h 16 min
